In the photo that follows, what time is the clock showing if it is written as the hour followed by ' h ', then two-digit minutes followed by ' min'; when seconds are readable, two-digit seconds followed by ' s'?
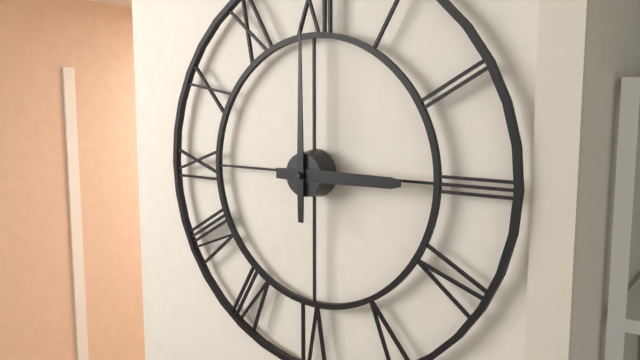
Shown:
3 h 00 min
